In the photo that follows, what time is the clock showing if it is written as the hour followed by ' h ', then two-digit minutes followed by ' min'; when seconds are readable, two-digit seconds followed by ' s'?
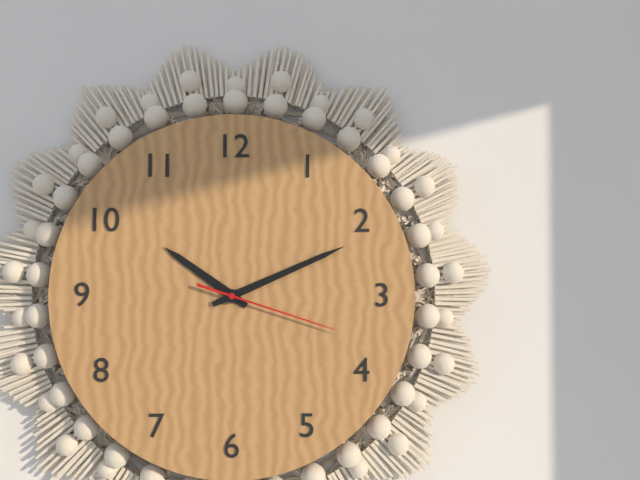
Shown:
10 h 11 min 18 s
